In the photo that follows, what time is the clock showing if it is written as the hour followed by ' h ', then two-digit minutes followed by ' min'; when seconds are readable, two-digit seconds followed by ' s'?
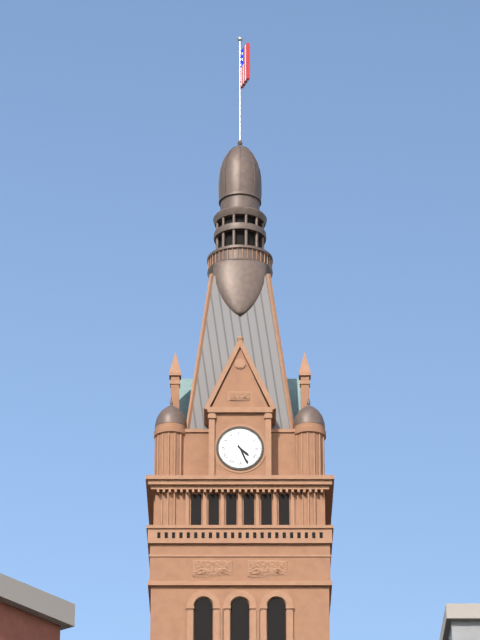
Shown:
4 h 26 min
